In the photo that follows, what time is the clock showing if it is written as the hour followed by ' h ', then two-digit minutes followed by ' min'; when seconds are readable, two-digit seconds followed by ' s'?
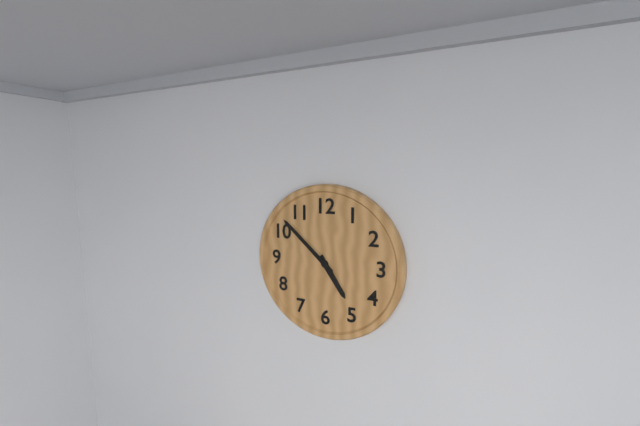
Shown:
4 h 52 min
